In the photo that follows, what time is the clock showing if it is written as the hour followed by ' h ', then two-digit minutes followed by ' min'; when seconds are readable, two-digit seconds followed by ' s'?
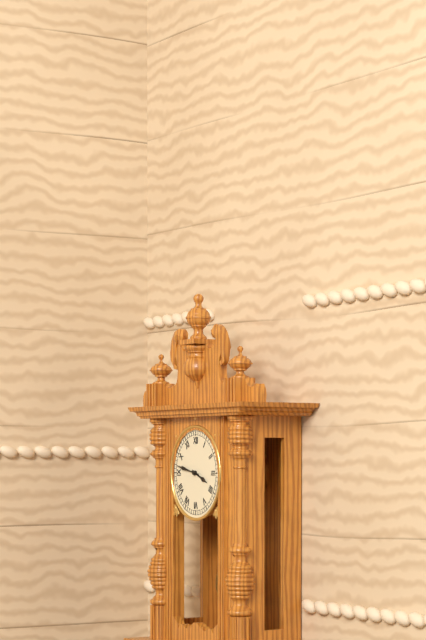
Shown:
3 h 47 min
